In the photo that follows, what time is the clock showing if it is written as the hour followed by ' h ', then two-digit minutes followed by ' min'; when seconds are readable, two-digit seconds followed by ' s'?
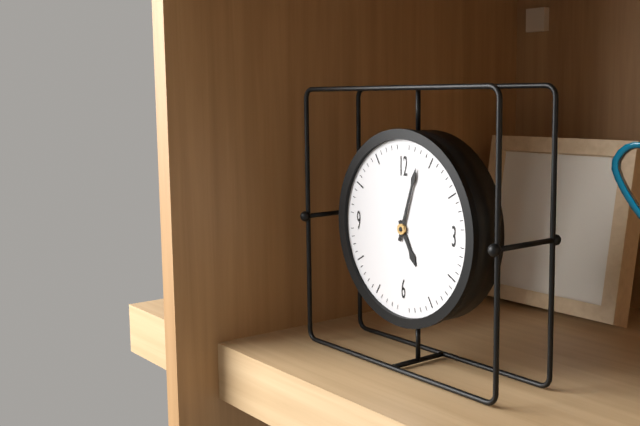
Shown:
5 h 03 min
